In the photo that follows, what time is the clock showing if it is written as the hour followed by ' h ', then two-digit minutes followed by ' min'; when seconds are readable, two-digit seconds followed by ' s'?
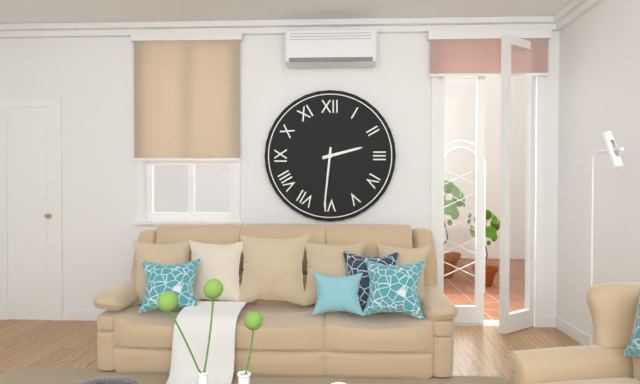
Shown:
2 h 31 min
